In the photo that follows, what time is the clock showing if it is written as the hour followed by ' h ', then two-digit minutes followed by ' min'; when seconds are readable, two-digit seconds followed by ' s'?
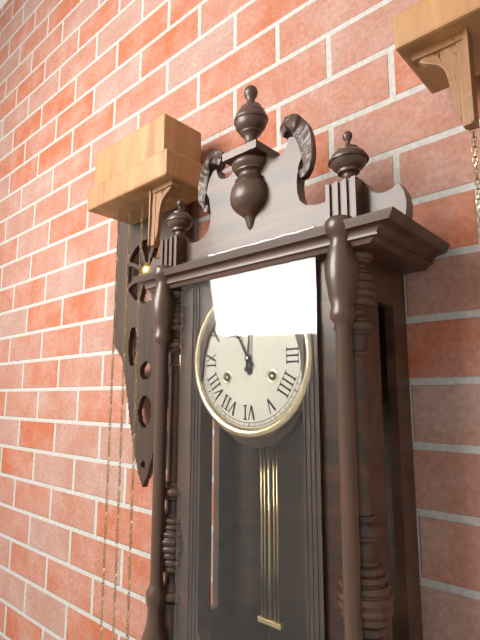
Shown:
11 h 01 min
